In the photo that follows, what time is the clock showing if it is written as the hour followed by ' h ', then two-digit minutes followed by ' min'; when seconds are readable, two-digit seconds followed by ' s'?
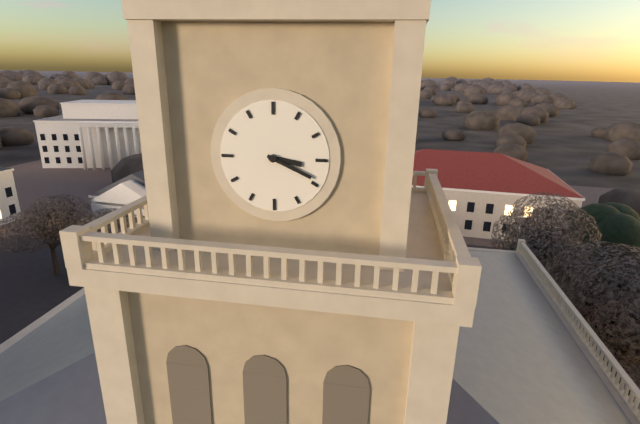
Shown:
3 h 19 min
